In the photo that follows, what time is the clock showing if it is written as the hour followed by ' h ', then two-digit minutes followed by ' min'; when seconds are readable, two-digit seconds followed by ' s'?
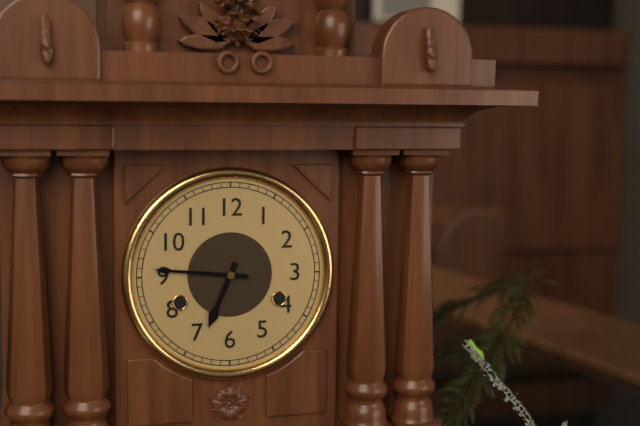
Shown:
6 h 46 min
